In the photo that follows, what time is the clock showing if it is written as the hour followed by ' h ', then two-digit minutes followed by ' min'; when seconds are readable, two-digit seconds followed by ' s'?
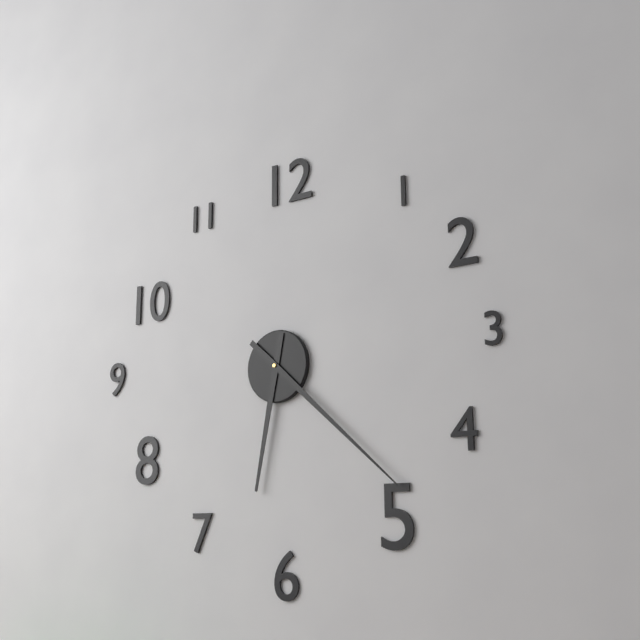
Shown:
6 h 22 min
